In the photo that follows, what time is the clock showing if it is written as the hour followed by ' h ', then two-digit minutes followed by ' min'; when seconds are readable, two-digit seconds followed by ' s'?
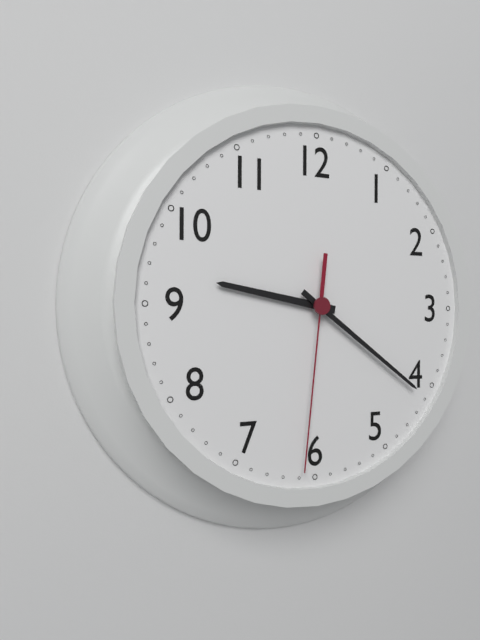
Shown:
9 h 21 min 31 s
